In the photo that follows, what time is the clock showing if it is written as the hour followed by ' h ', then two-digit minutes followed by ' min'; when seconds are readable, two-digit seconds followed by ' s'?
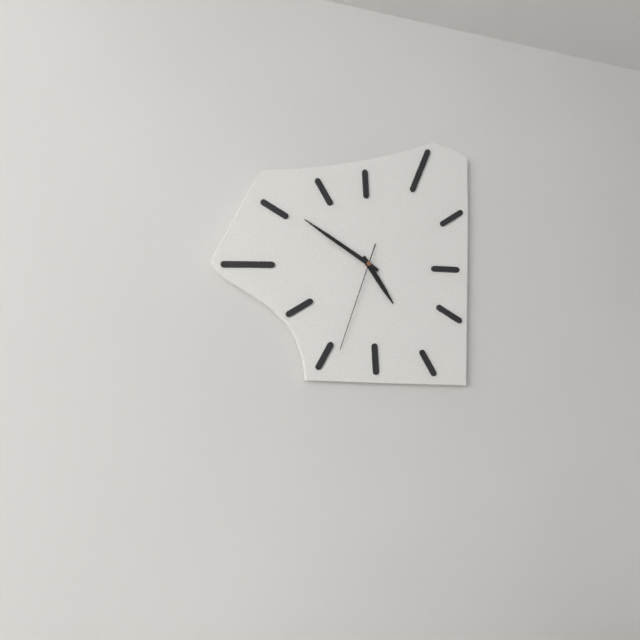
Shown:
4 h 50 min 33 s
